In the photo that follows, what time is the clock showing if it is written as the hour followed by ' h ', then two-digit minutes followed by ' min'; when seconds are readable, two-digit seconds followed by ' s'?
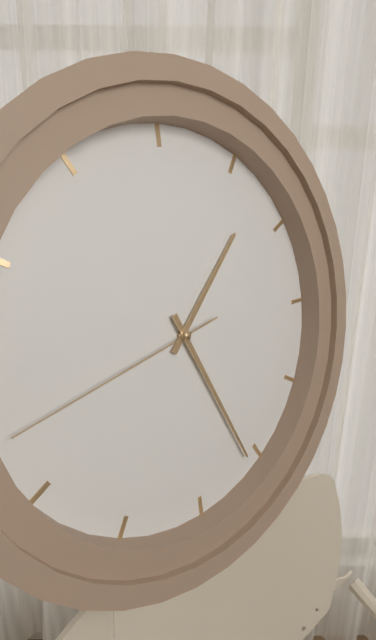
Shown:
1 h 26 min 43 s
